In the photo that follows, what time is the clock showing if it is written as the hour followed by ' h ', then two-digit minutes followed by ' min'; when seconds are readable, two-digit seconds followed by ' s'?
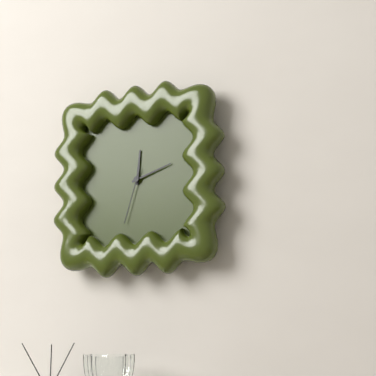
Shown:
12 h 12 min 33 s
